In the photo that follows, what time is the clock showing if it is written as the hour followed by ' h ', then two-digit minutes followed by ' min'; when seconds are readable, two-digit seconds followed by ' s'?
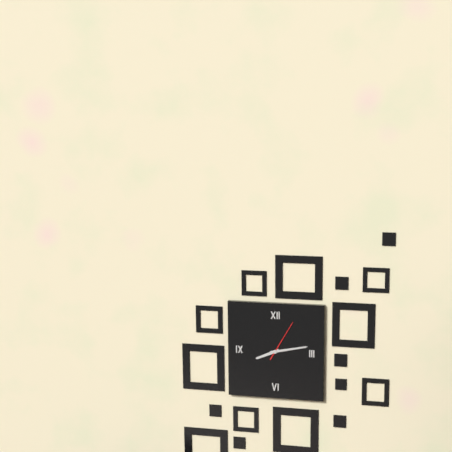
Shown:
8 h 13 min
